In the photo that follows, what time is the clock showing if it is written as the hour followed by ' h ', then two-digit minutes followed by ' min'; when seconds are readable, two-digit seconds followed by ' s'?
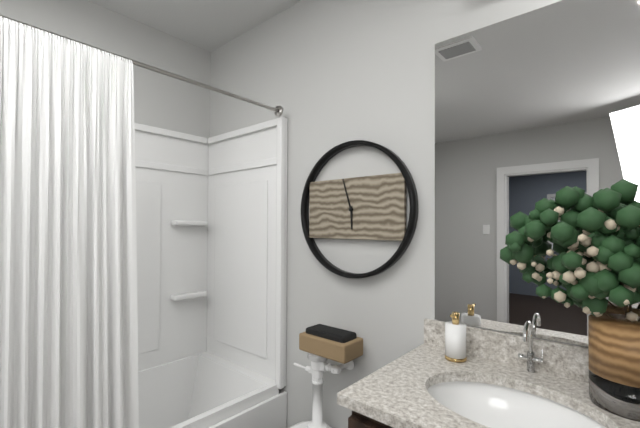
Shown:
5 h 57 min
